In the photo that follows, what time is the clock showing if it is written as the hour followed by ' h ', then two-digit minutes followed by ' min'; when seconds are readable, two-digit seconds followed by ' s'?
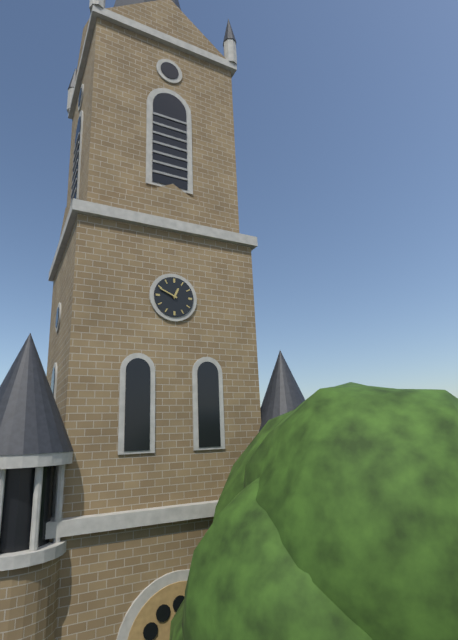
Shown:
12 h 49 min
